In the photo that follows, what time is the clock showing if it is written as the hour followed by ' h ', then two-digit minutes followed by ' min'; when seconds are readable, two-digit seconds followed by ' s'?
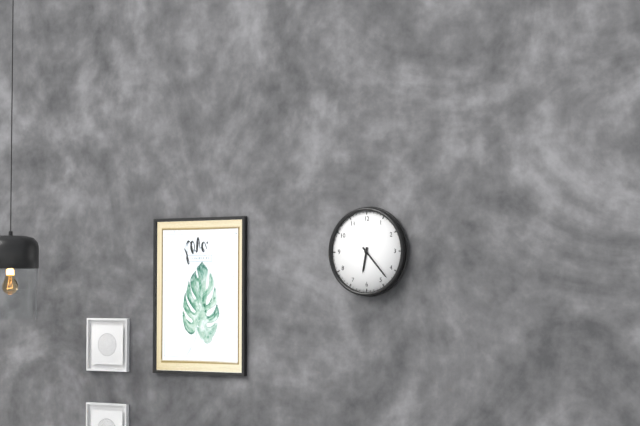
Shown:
6 h 23 min
